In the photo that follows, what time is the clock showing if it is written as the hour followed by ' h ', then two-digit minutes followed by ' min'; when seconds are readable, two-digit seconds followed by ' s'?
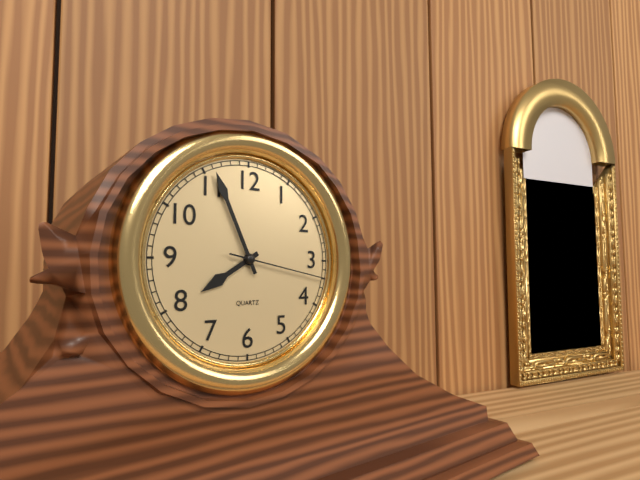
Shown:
7 h 56 min 17 s
